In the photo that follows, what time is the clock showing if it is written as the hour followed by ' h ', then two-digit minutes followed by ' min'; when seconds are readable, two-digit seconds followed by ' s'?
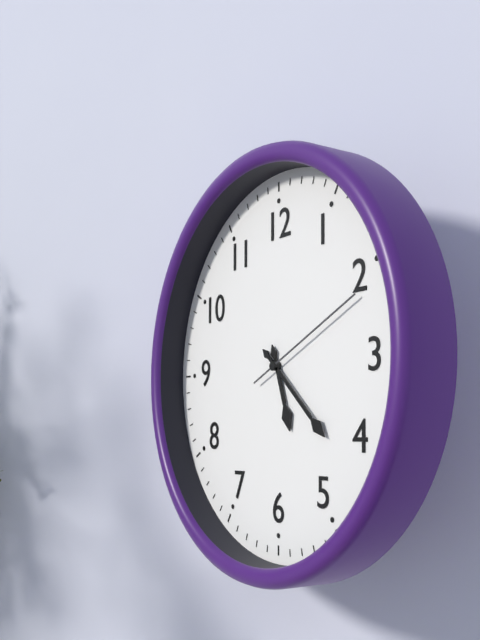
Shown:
5 h 22 min 11 s
